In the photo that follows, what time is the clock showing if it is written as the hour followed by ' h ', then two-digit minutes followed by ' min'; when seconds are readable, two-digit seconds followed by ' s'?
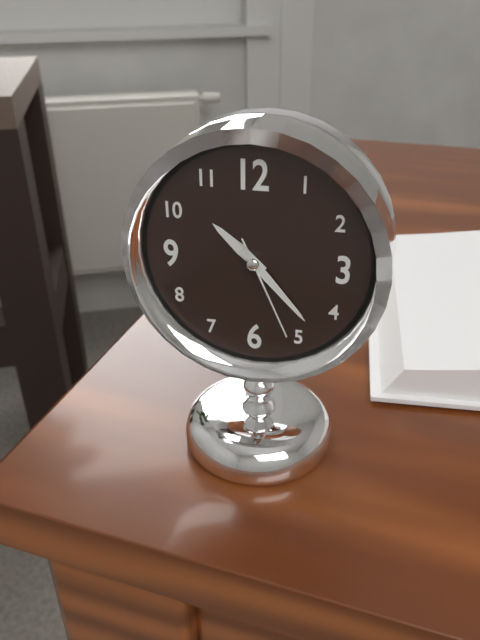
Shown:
10 h 23 min 26 s
